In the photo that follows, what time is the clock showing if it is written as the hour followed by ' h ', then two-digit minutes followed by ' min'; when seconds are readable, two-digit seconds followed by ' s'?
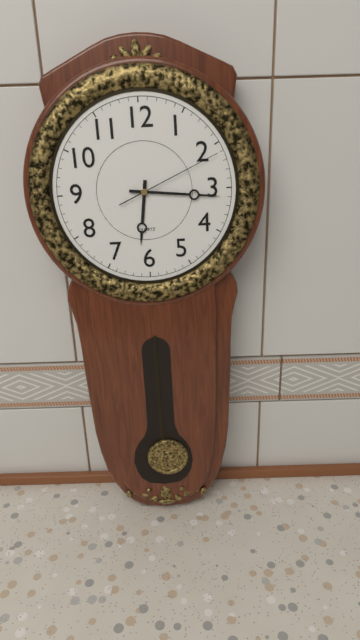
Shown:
6 h 16 min 11 s
